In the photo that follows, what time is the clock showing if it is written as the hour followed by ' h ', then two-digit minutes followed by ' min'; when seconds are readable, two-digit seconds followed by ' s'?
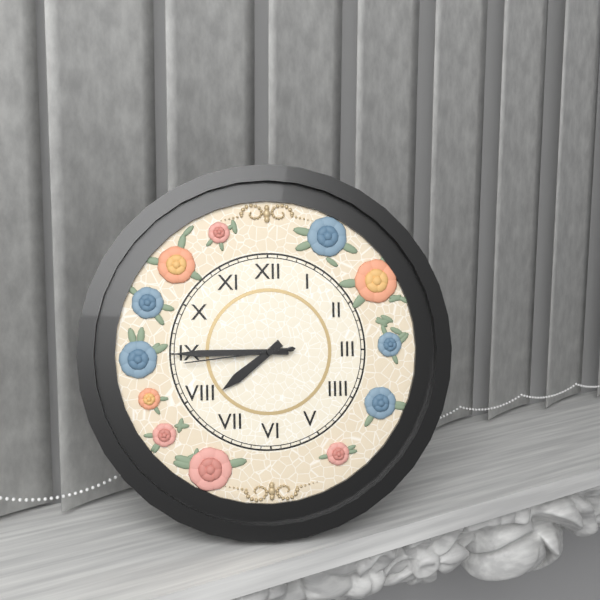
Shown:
7 h 45 min 44 s
